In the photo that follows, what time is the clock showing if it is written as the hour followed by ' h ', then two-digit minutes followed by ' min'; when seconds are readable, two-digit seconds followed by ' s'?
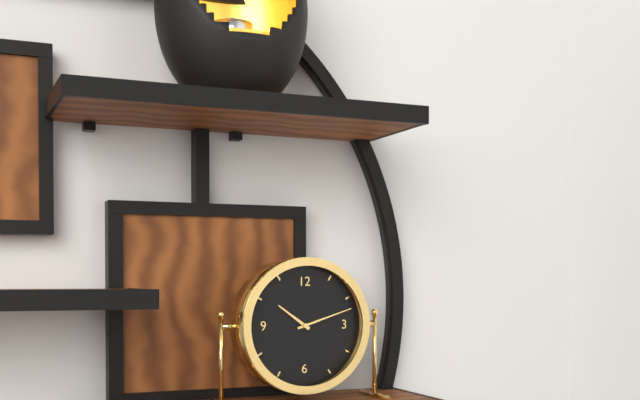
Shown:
10 h 12 min
